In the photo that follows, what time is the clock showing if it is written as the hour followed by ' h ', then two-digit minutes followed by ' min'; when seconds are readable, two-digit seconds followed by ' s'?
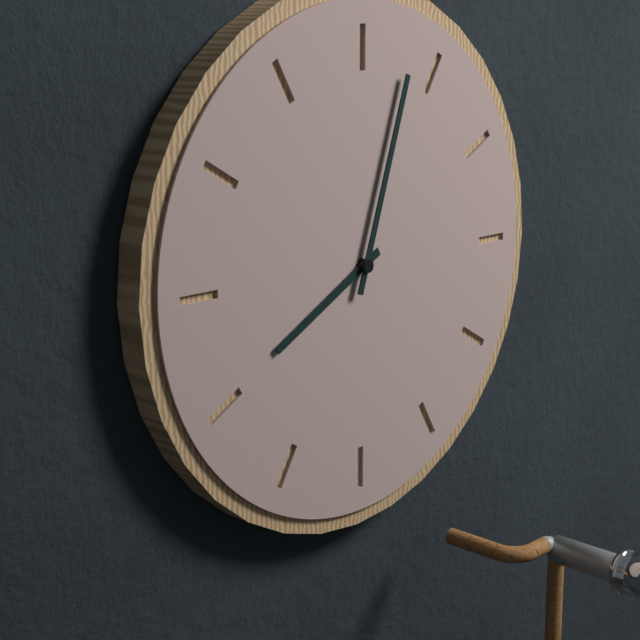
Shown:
8 h 03 min
